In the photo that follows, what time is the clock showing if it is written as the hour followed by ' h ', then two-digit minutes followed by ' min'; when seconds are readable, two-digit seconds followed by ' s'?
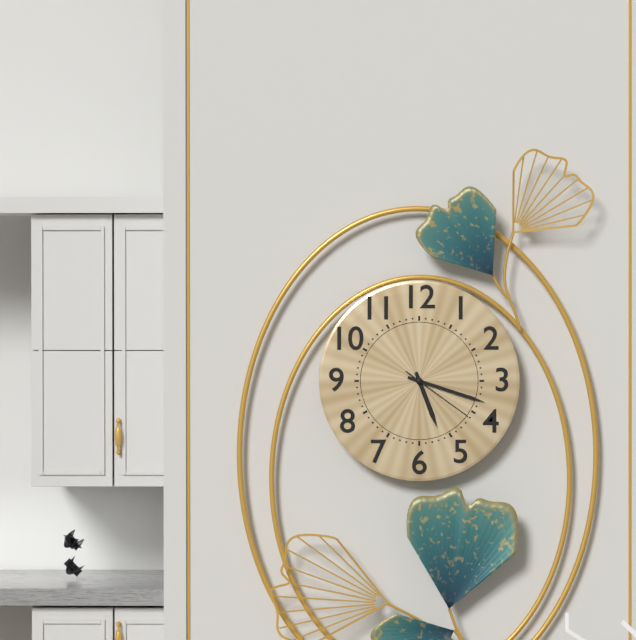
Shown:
5 h 18 min 21 s
